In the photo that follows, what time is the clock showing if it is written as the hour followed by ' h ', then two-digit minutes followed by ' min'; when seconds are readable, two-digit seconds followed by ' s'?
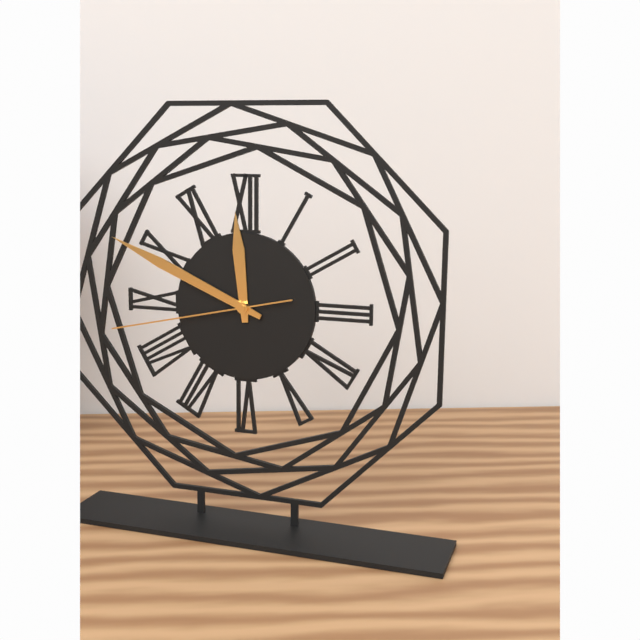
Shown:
11 h 49 min 43 s
